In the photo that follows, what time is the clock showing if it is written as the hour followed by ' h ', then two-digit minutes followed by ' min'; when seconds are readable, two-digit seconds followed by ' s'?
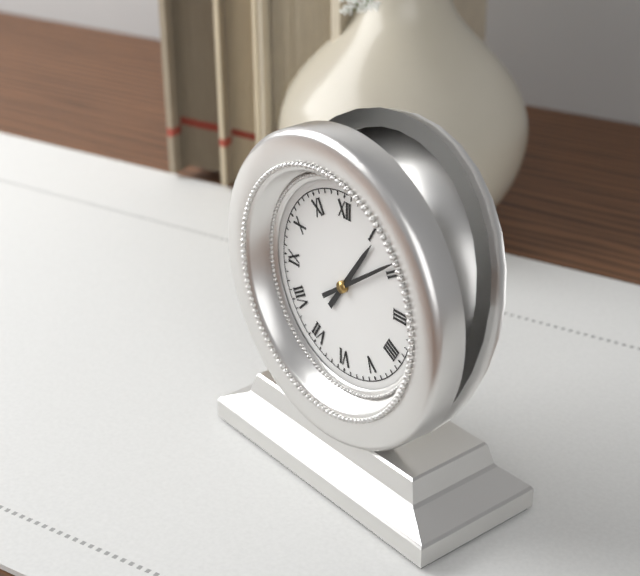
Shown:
1 h 09 min
